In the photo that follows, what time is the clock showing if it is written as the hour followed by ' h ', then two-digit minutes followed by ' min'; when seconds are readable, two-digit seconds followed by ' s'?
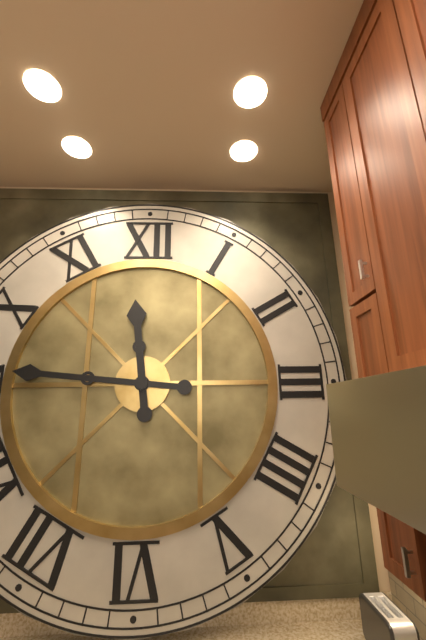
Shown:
11 h 46 min
